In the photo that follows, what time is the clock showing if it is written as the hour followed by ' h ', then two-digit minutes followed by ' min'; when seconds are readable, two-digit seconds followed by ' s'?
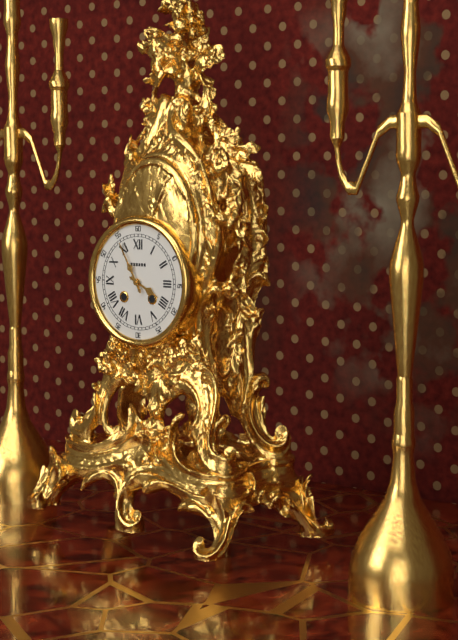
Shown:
3 h 55 min
